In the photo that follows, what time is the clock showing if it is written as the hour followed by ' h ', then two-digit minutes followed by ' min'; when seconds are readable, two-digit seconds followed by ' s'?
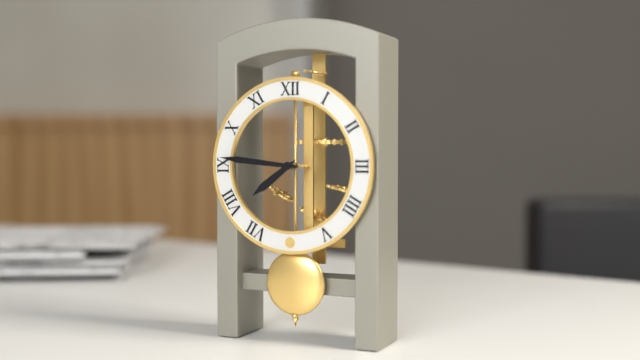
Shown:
7 h 46 min
